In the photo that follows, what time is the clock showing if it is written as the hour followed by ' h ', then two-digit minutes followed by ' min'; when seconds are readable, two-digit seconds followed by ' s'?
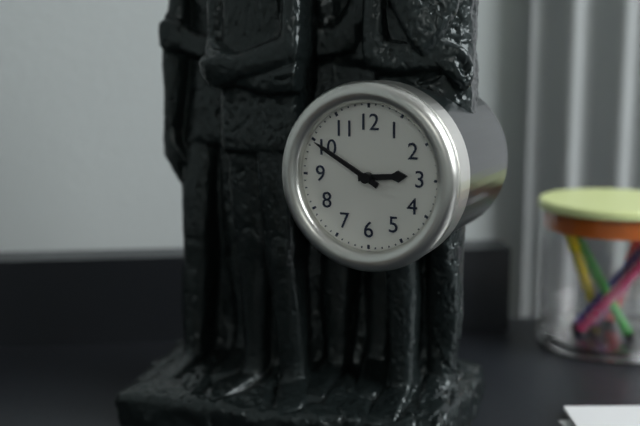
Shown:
2 h 50 min
